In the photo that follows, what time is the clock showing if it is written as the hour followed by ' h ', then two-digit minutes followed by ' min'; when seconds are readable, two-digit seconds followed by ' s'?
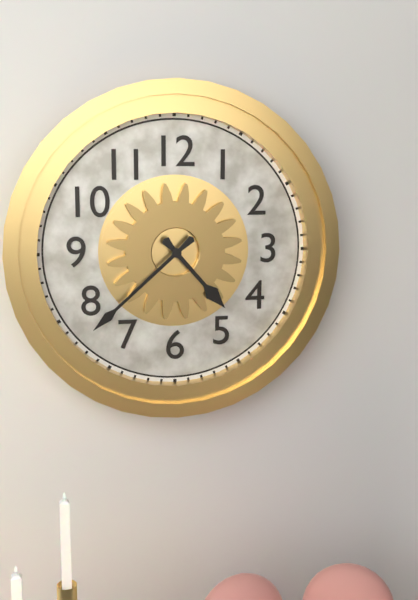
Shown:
4 h 38 min
